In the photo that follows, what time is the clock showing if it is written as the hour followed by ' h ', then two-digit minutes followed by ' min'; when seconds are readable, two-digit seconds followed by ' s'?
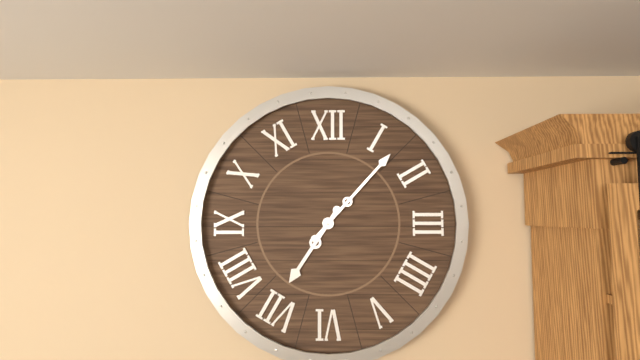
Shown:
7 h 07 min
